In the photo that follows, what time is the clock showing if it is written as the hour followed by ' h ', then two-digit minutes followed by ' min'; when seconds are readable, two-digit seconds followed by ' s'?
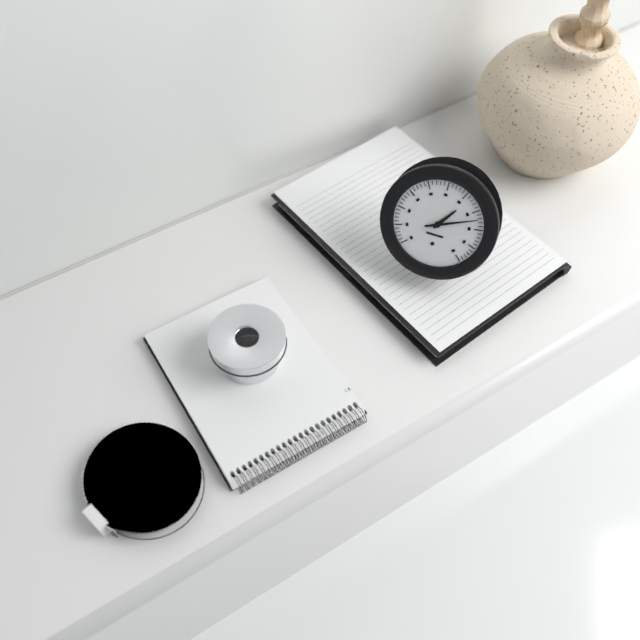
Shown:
1 h 11 min
